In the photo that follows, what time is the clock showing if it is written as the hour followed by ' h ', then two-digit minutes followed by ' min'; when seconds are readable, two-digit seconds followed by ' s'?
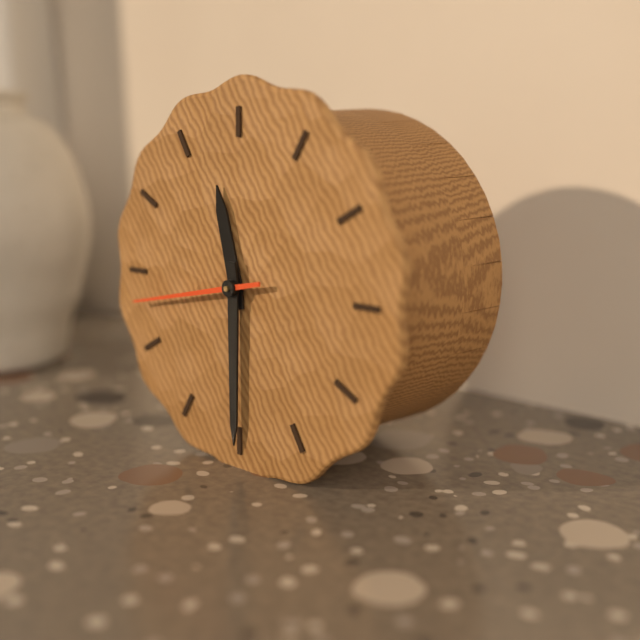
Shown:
11 h 30 min 43 s
